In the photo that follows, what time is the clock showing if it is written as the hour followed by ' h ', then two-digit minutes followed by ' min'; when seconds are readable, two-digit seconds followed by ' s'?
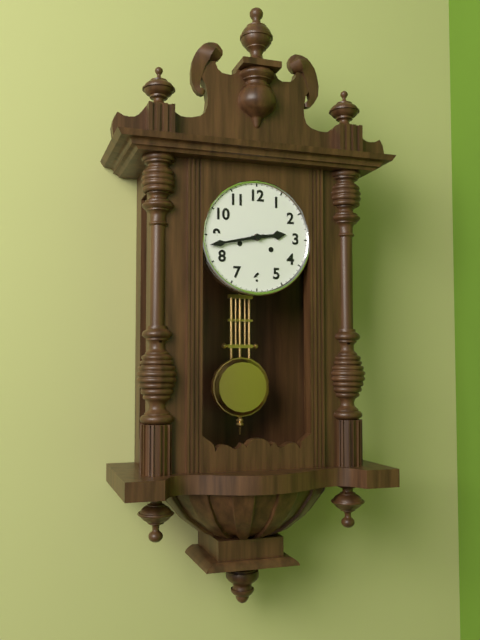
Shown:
2 h 43 min
